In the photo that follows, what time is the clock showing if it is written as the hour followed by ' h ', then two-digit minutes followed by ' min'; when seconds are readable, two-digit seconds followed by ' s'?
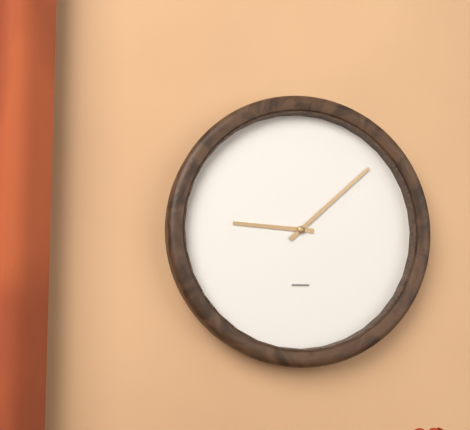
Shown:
9 h 08 min
